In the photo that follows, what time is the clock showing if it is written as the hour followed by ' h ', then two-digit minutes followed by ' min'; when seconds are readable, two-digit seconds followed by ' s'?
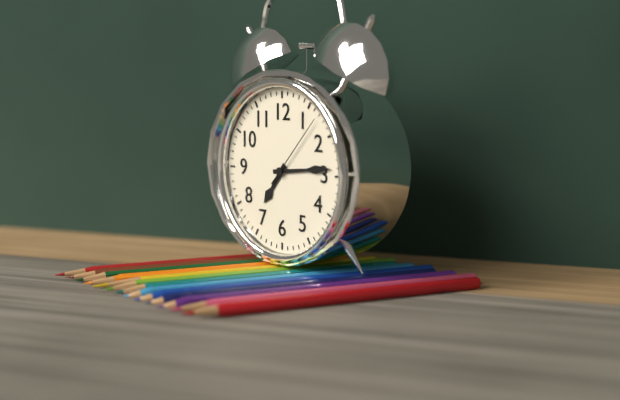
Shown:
7 h 14 min 07 s
